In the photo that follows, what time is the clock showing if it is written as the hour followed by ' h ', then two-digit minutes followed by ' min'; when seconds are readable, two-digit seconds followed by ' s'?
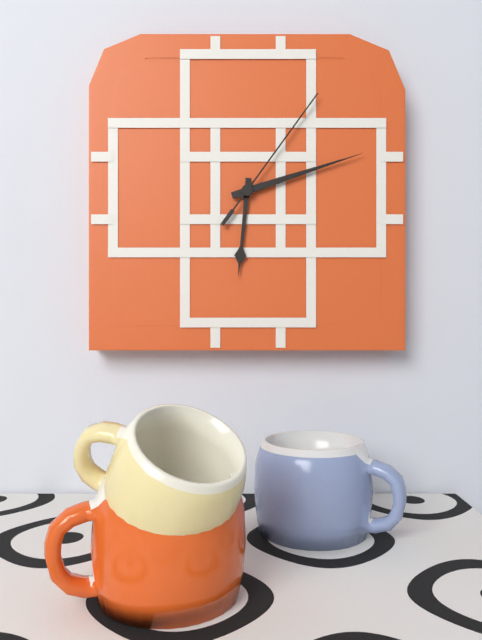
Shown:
6 h 12 min 06 s
